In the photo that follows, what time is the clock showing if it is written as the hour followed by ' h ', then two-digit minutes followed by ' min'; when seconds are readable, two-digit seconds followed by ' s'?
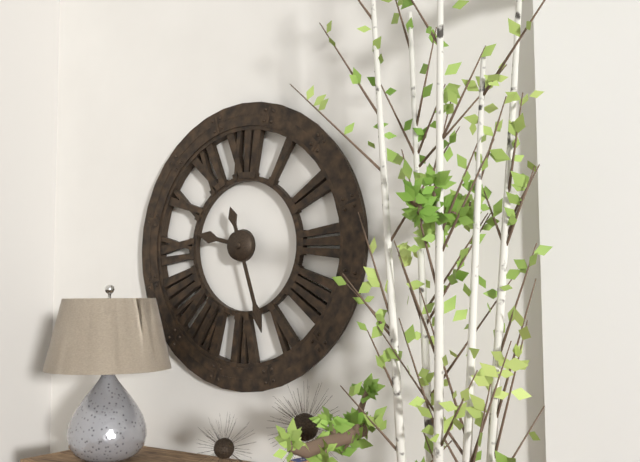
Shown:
9 h 27 min
